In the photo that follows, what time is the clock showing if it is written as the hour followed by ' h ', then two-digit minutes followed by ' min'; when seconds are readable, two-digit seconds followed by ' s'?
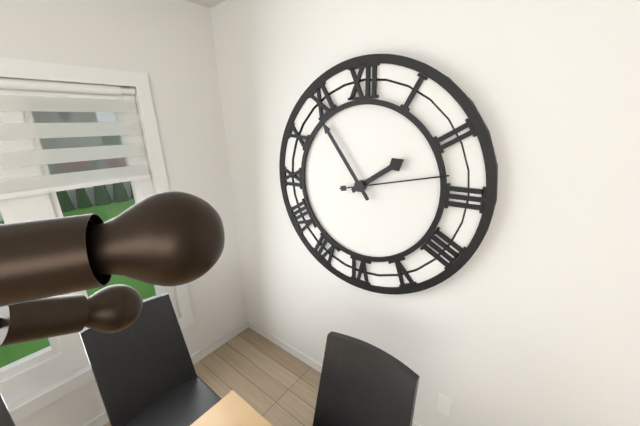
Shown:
1 h 54 min 13 s
